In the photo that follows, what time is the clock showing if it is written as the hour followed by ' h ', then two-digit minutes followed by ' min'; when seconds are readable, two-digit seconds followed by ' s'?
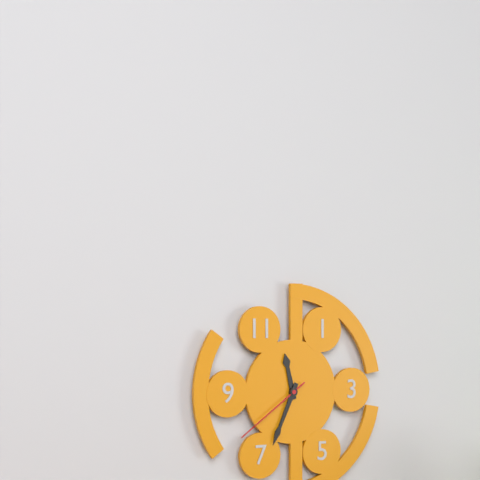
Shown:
11 h 34 min 39 s
